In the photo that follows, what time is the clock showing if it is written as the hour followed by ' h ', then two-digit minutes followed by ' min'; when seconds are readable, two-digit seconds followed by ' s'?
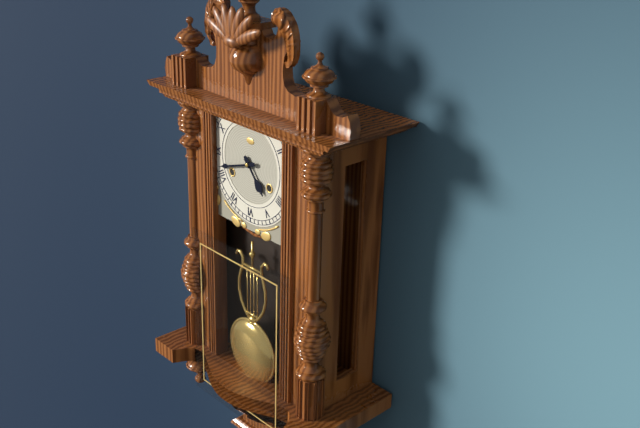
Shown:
4 h 42 min
